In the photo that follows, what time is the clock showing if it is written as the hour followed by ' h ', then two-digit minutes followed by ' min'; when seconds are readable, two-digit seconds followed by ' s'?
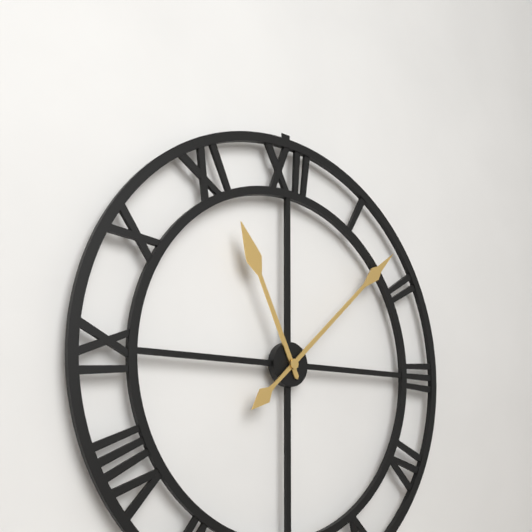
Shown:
11 h 08 min
